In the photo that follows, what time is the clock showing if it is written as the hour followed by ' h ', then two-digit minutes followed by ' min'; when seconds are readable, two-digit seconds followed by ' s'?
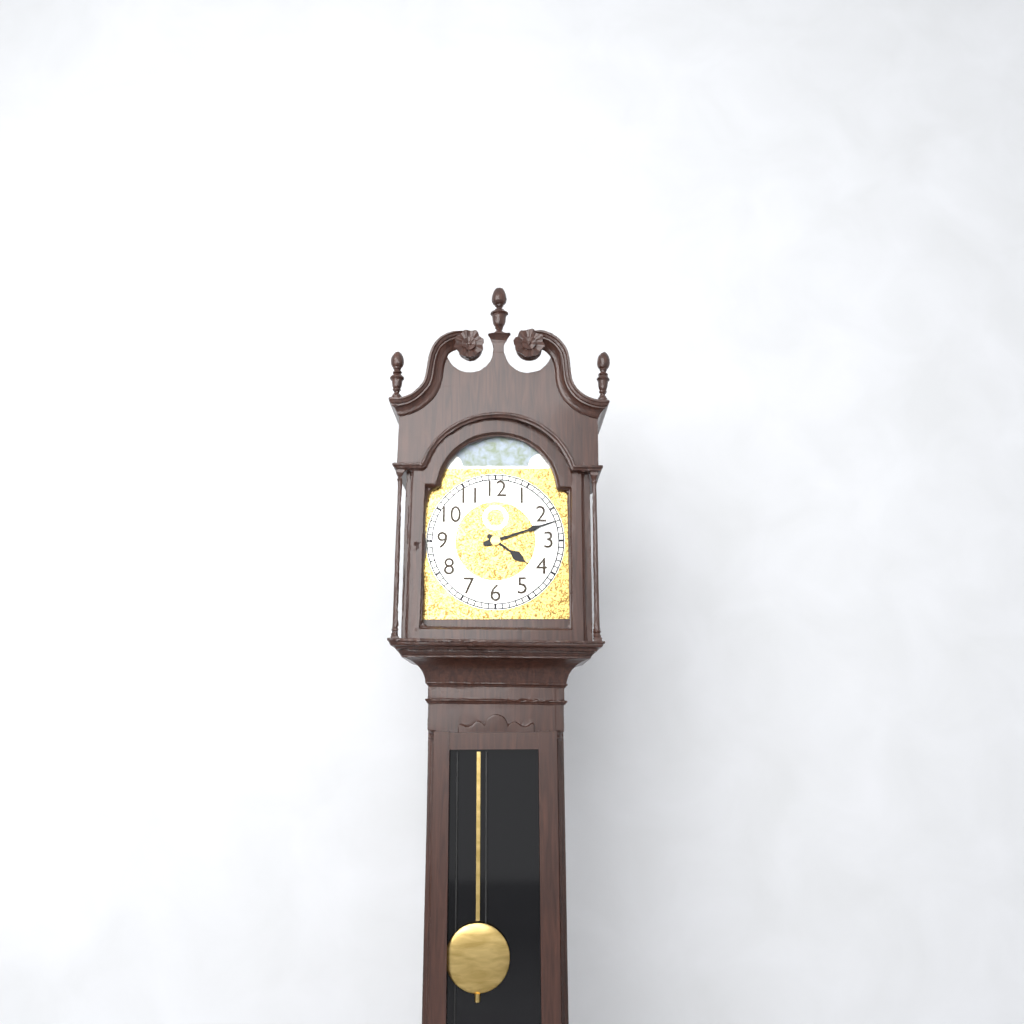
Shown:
4 h 12 min
